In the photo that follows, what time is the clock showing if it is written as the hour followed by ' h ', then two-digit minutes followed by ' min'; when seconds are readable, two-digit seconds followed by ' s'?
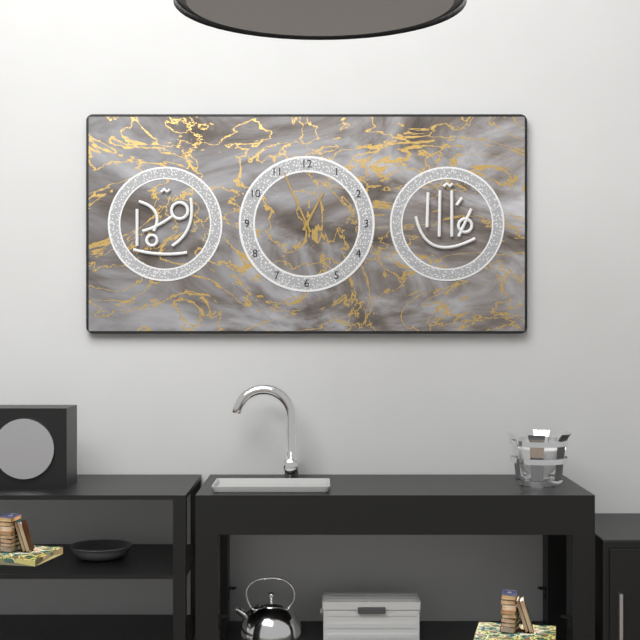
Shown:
12 h 56 min
